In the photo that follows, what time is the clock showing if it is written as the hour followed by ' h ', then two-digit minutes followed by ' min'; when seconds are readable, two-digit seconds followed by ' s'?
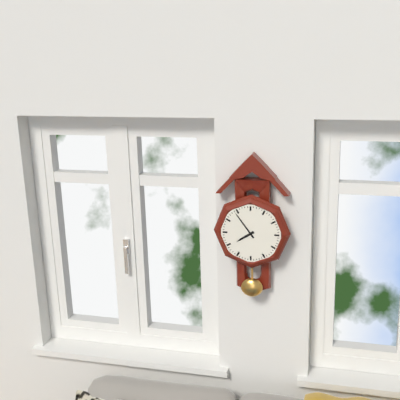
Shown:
7 h 54 min
